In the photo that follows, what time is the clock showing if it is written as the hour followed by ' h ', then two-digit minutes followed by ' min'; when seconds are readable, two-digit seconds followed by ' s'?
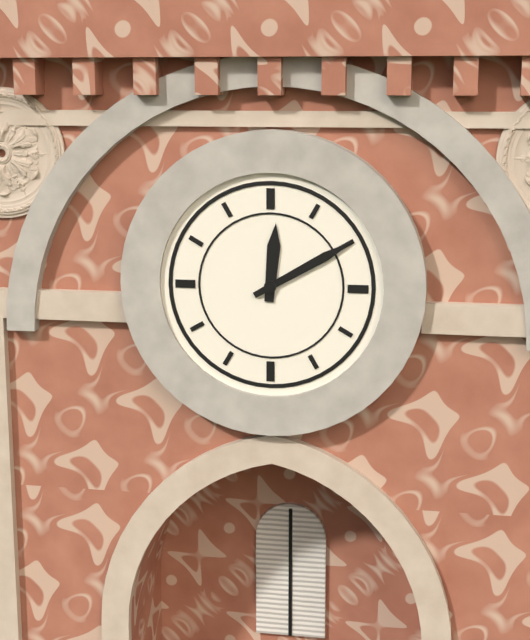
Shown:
12 h 10 min
